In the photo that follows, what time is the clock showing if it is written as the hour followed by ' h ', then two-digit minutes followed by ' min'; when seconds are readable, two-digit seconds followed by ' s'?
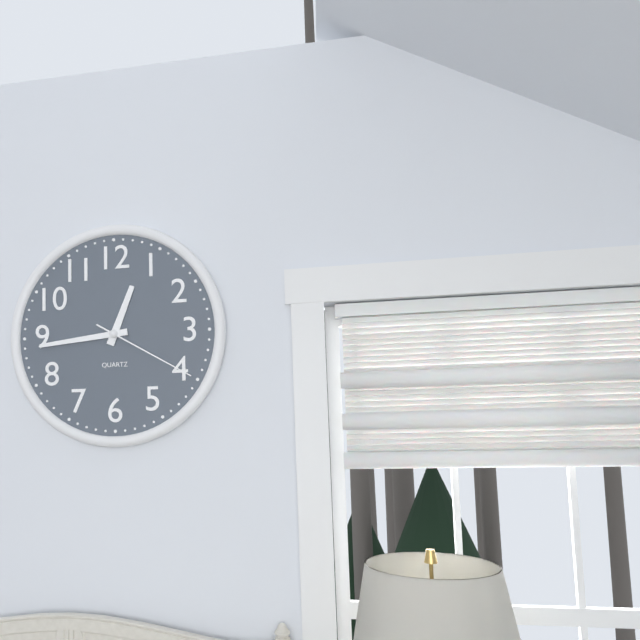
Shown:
12 h 44 min 20 s
